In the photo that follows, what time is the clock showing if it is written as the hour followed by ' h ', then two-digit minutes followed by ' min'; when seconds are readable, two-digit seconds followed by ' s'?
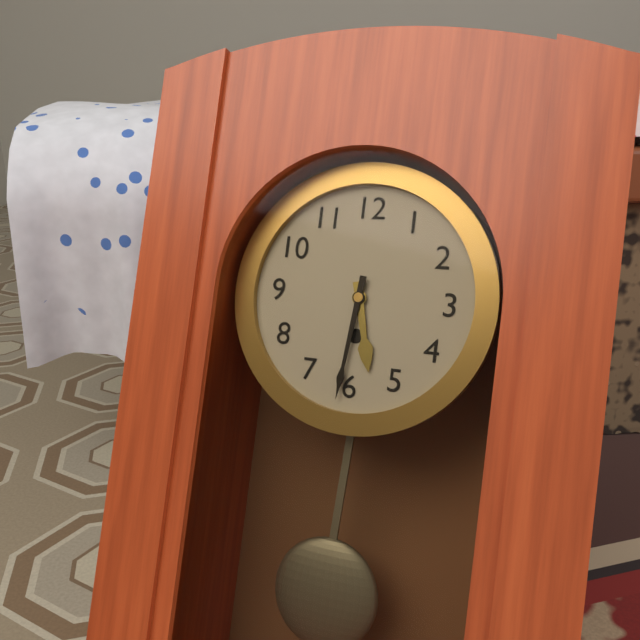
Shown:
5 h 31 min
